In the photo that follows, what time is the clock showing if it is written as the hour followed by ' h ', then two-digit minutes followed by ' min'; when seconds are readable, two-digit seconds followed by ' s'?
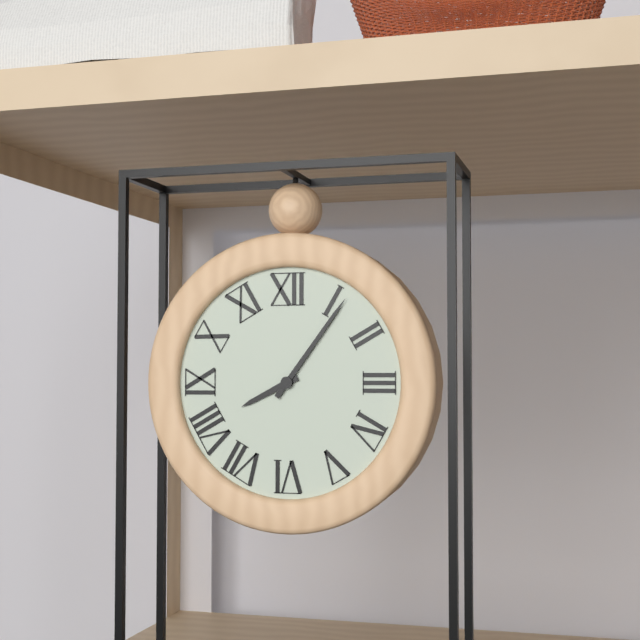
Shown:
8 h 06 min
